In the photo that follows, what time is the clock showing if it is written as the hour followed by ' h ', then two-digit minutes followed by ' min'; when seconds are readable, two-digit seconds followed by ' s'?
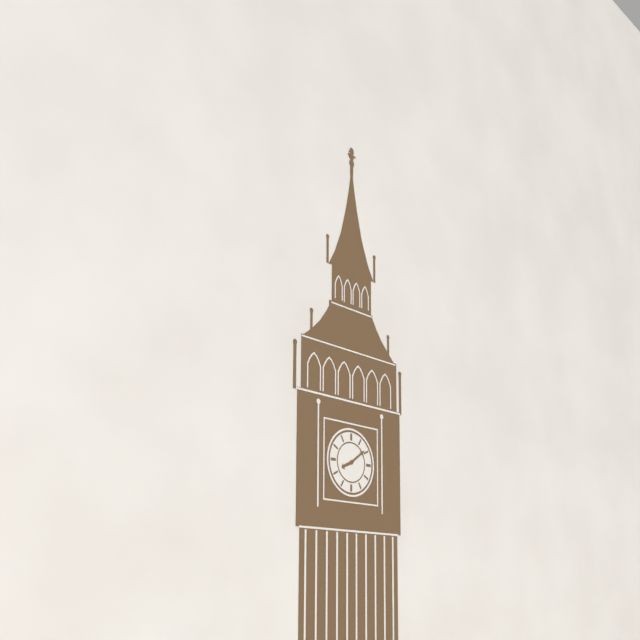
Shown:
8 h 09 min
